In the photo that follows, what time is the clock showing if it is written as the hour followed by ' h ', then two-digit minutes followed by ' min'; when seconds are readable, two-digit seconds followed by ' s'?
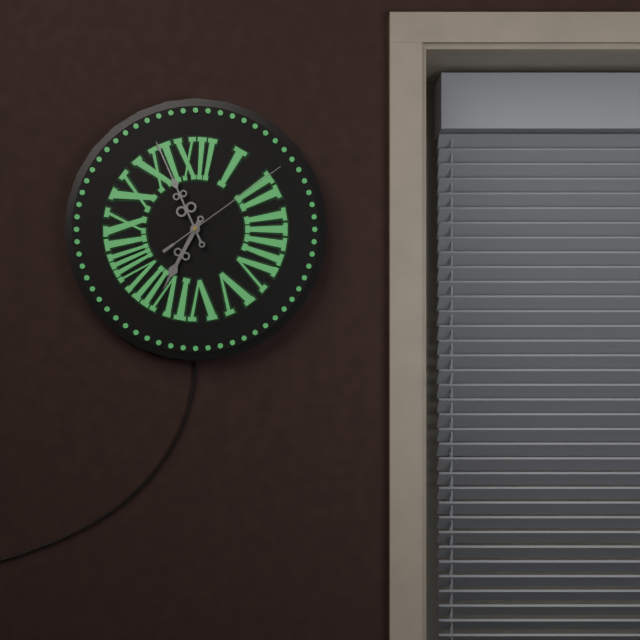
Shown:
6 h 56 min 09 s
